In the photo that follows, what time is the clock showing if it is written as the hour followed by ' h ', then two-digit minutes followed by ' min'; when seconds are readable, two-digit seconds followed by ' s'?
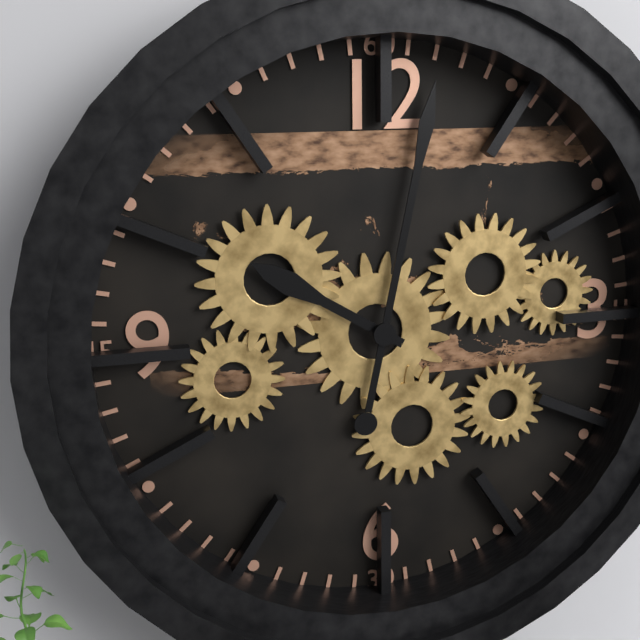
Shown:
10 h 02 min
